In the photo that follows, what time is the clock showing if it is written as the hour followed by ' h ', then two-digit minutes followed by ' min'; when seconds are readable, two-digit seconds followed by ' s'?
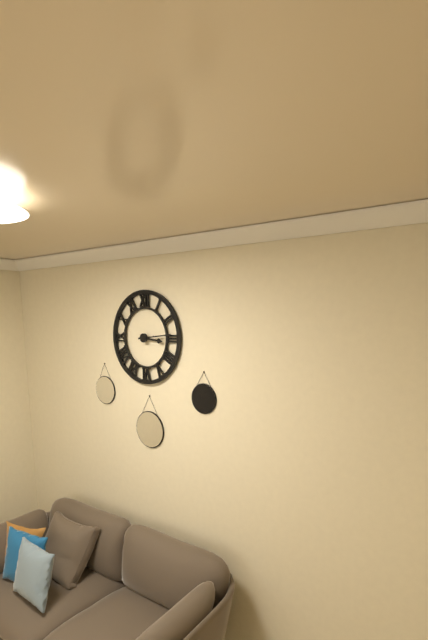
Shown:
3 h 14 min
